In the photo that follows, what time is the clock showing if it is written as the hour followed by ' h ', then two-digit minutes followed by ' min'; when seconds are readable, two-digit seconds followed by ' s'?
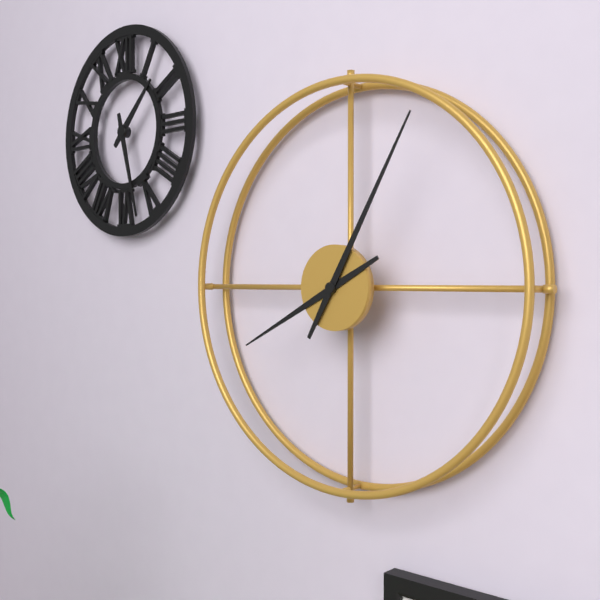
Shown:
8 h 05 min
